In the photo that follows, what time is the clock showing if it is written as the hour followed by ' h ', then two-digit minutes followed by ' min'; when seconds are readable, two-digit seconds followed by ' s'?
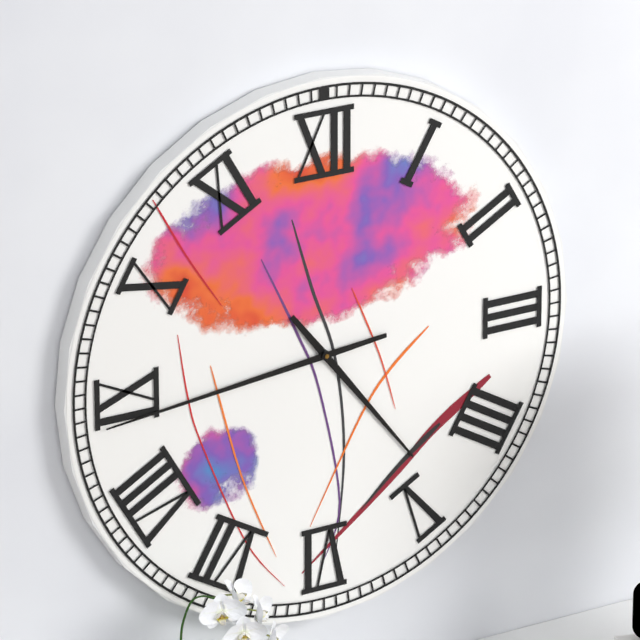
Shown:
4 h 44 min
